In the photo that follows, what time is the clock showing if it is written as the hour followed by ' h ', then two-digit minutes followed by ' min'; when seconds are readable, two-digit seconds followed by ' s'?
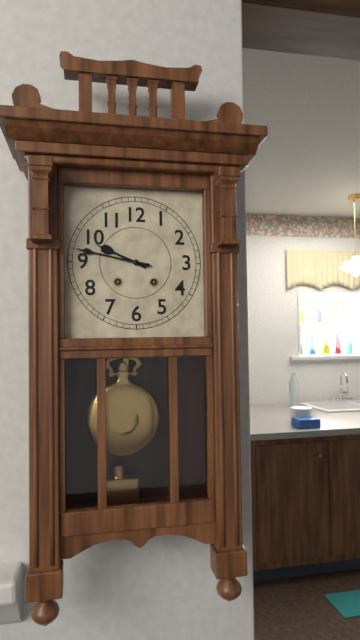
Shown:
9 h 47 min
